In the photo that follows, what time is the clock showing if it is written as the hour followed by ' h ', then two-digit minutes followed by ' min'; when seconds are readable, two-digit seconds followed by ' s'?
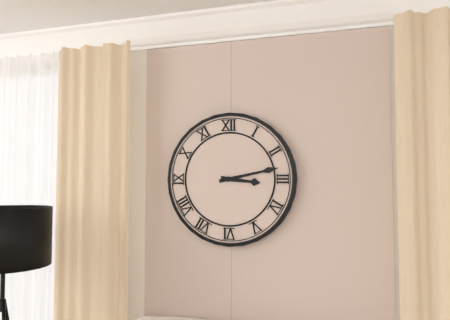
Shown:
3 h 13 min
